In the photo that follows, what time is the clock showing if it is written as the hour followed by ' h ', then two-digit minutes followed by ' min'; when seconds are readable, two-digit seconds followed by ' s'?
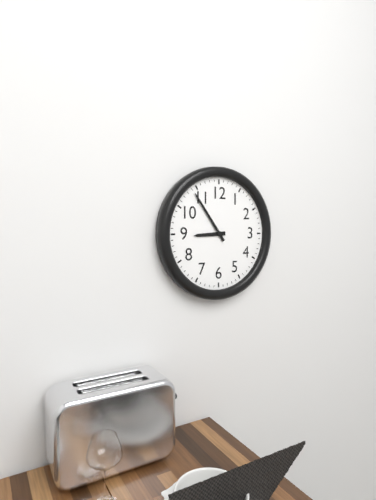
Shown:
8 h 54 min
